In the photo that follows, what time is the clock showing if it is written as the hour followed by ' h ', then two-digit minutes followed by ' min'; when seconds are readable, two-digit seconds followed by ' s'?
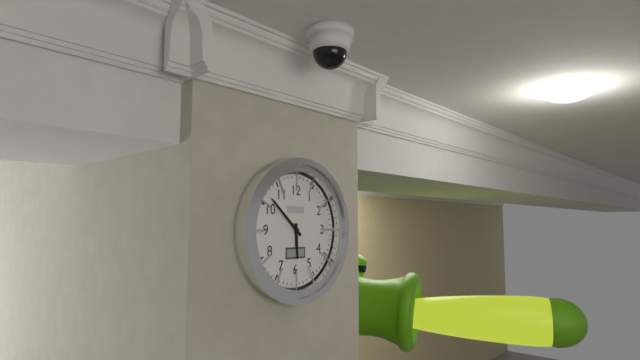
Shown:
5 h 52 min
